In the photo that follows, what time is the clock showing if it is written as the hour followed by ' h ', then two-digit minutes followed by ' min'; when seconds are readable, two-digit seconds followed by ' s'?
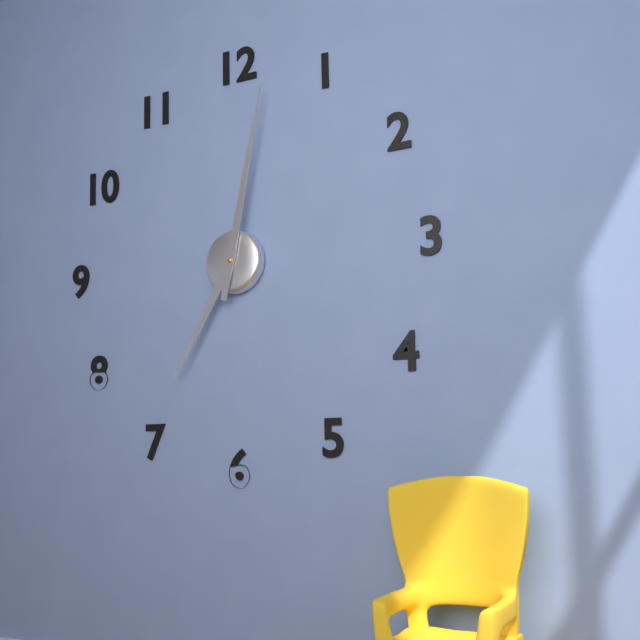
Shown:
7 h 02 min
